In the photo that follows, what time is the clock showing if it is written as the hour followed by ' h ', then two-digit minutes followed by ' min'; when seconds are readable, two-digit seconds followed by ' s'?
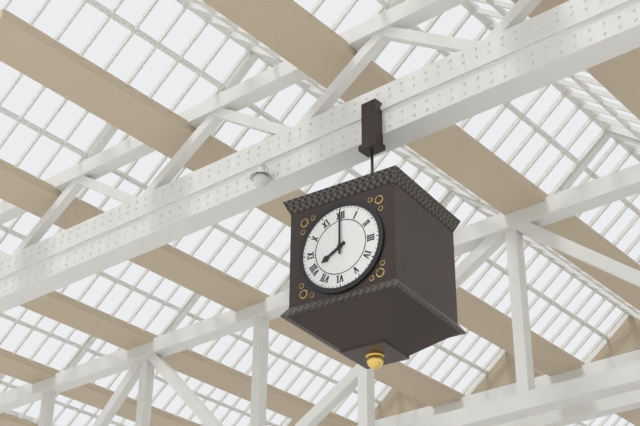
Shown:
8 h 00 min
